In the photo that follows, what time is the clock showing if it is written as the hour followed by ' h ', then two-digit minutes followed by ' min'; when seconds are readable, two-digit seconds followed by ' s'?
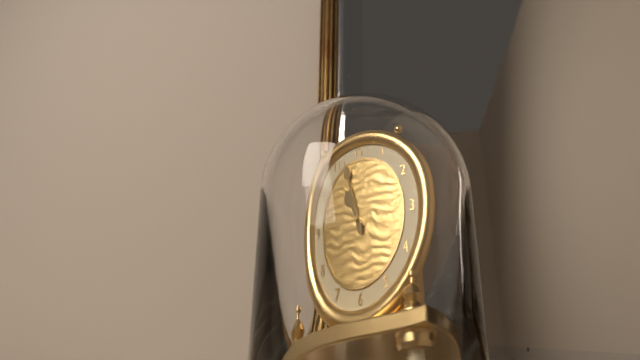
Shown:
10 h 57 min
